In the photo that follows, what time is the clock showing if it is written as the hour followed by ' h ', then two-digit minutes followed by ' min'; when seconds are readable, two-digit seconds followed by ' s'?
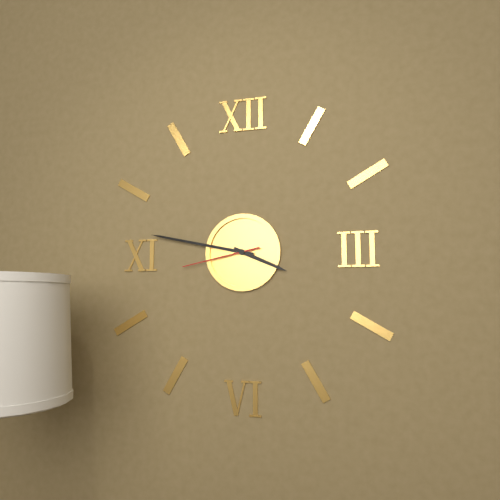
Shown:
3 h 47 min 43 s
